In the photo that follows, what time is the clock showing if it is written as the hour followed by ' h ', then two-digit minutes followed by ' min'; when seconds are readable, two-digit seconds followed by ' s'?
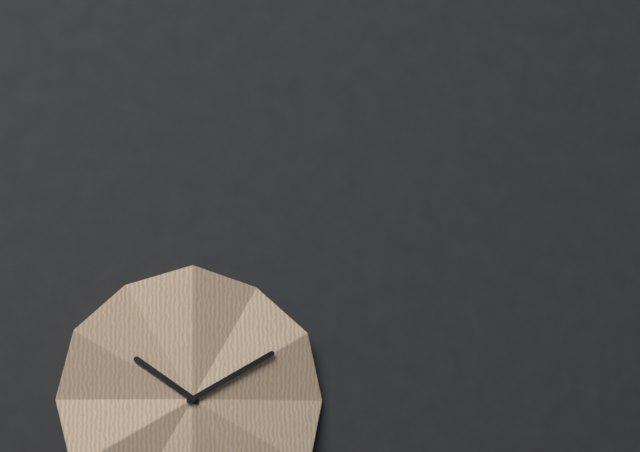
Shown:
10 h 10 min
